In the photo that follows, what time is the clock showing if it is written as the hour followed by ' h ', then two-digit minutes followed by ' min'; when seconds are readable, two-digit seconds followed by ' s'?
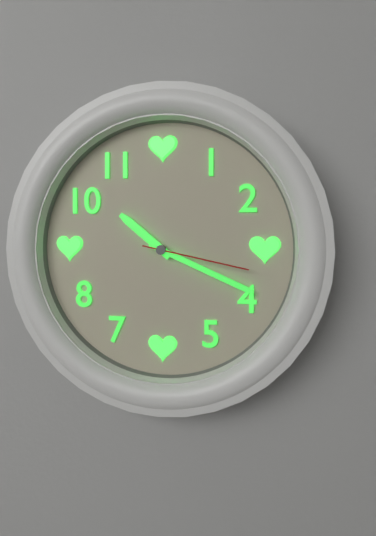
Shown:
10 h 19 min 17 s
